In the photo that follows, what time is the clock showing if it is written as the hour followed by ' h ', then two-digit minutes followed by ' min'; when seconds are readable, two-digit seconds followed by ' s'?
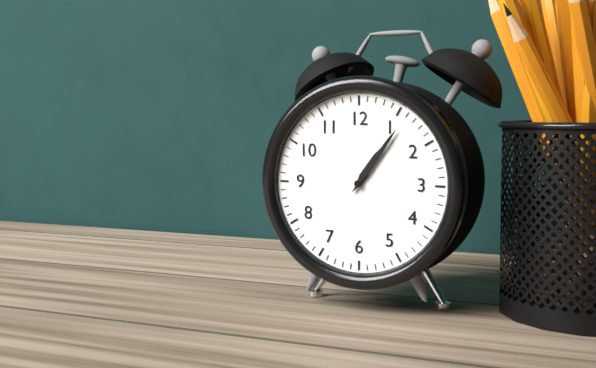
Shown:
1 h 06 min
